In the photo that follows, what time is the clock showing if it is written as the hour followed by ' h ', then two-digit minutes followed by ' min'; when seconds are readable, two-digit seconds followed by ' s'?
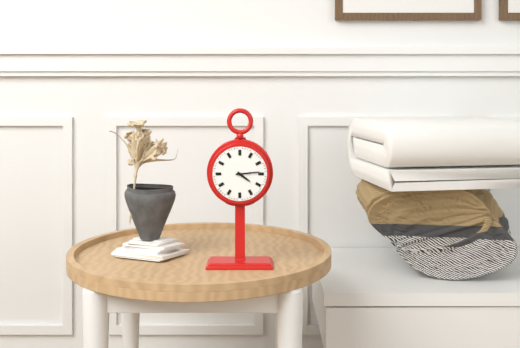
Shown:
4 h 14 min
